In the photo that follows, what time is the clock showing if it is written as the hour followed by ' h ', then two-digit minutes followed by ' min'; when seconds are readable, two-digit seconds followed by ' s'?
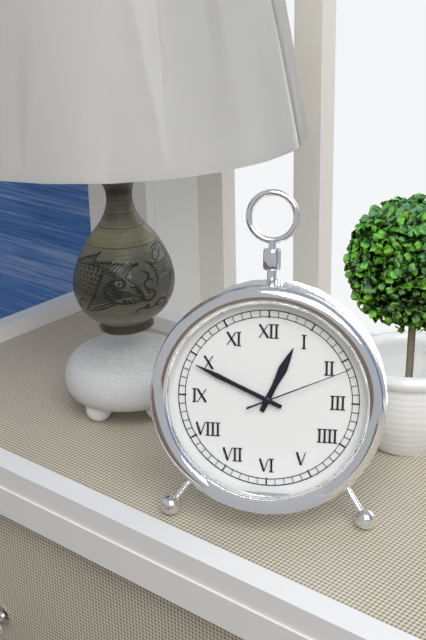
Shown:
12 h 49 min 11 s
